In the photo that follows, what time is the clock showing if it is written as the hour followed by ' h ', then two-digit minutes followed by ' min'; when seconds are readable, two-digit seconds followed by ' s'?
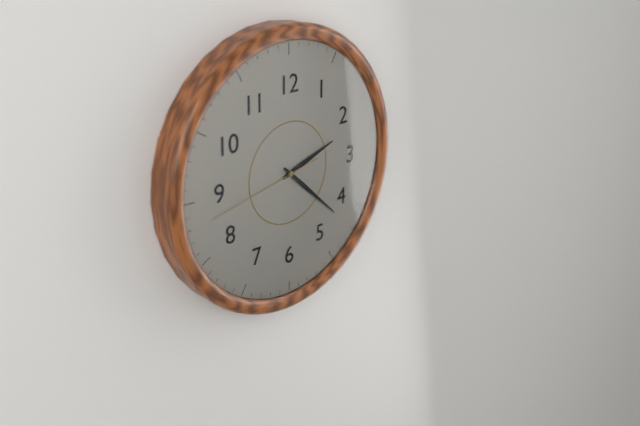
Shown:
2 h 22 min 43 s
